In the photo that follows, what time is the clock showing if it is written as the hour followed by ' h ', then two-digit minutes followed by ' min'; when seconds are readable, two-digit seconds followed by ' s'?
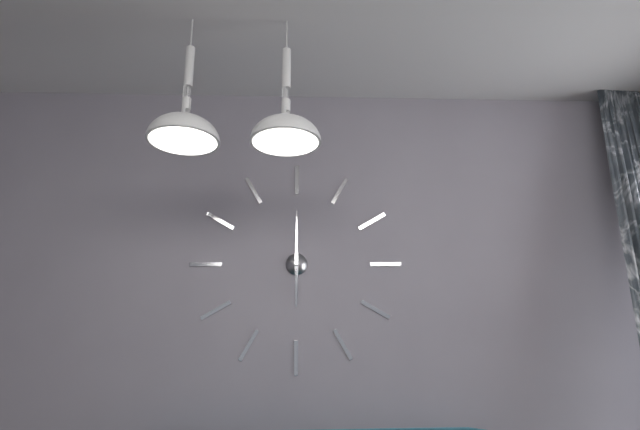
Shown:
6 h 00 min
